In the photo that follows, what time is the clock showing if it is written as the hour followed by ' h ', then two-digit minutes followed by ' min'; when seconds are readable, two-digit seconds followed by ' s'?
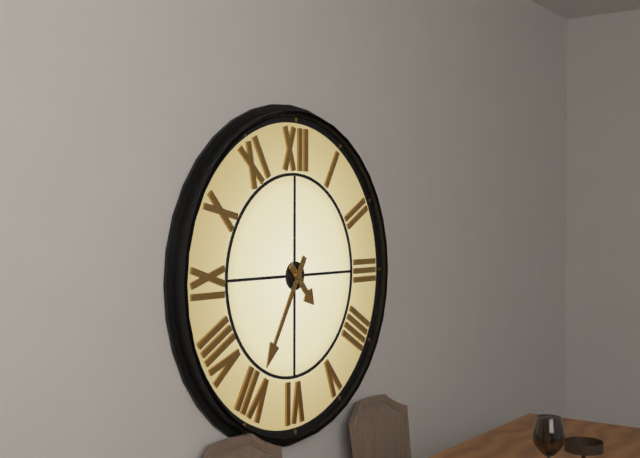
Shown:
4 h 35 min
